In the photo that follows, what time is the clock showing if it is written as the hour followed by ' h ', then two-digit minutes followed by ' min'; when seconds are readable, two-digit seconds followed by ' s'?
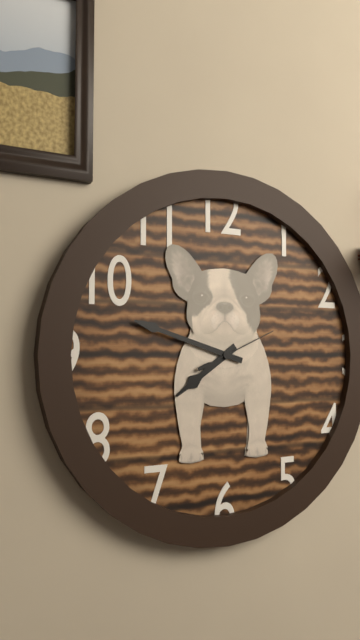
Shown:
7 h 48 min 11 s
